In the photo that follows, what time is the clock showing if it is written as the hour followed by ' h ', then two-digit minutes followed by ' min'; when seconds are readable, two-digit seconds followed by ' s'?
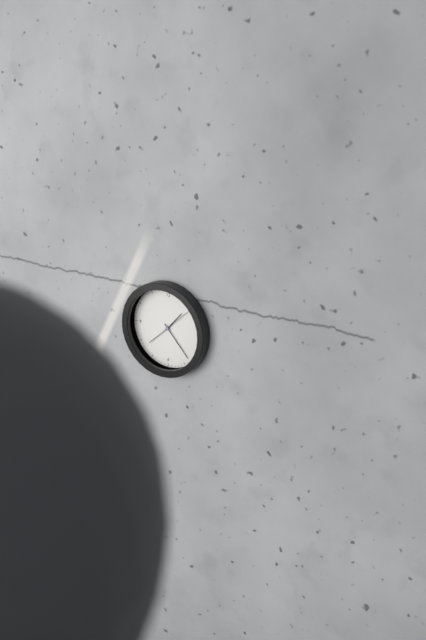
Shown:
1 h 23 min
